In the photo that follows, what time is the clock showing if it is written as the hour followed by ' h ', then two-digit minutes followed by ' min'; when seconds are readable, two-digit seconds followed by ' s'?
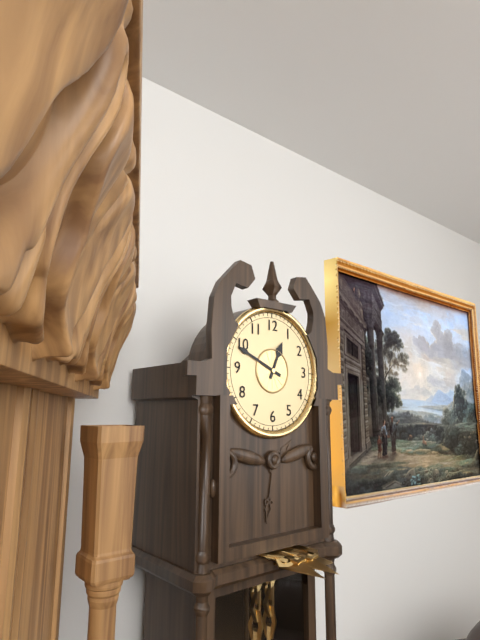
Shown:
12 h 49 min
